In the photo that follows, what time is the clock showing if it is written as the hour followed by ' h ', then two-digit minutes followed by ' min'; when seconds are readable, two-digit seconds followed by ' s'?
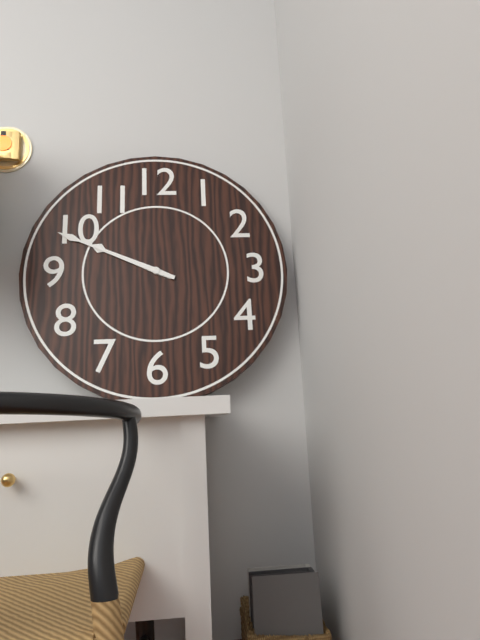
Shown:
9 h 49 min
